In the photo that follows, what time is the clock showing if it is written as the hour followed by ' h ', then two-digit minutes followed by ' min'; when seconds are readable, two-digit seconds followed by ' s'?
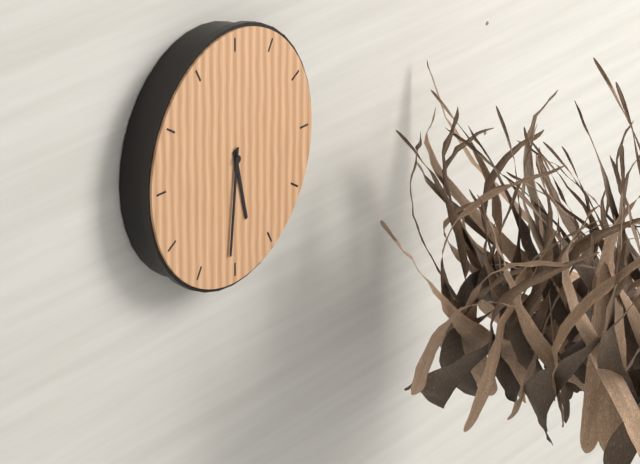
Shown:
5 h 31 min
